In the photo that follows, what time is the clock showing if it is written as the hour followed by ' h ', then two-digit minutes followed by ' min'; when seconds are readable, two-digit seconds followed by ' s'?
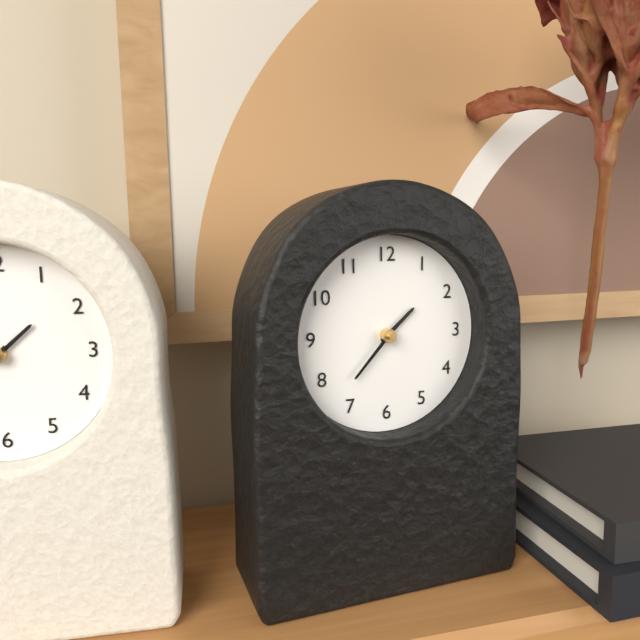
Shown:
1 h 37 min
